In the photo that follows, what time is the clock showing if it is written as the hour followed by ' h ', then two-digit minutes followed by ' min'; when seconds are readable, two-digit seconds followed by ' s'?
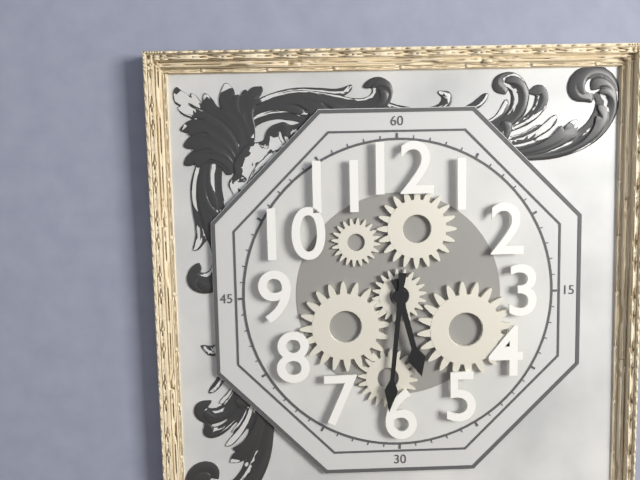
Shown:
5 h 31 min
